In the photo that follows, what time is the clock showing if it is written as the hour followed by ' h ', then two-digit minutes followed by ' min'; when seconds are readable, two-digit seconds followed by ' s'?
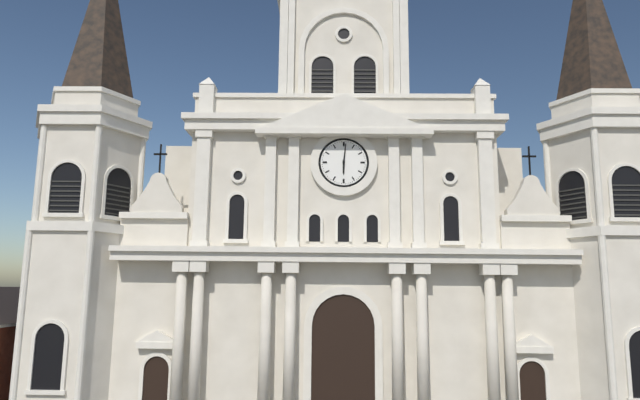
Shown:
6 h 01 min
